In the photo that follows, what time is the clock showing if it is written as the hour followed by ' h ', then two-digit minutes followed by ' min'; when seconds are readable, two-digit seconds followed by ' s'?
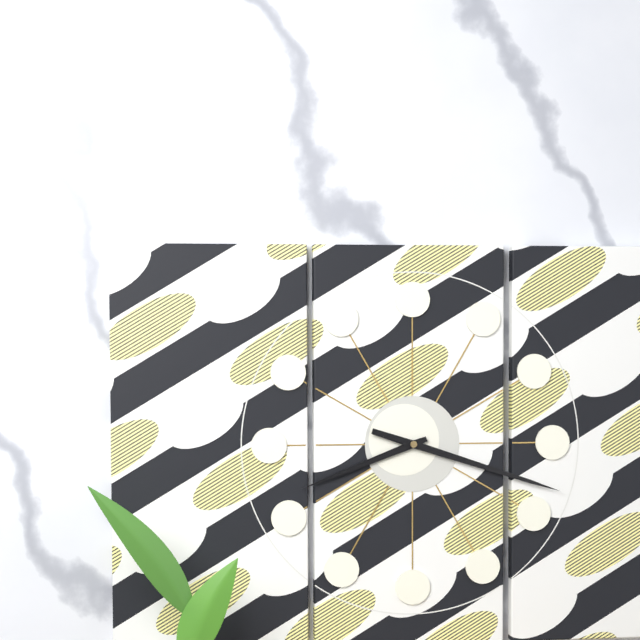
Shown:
8 h 18 min
